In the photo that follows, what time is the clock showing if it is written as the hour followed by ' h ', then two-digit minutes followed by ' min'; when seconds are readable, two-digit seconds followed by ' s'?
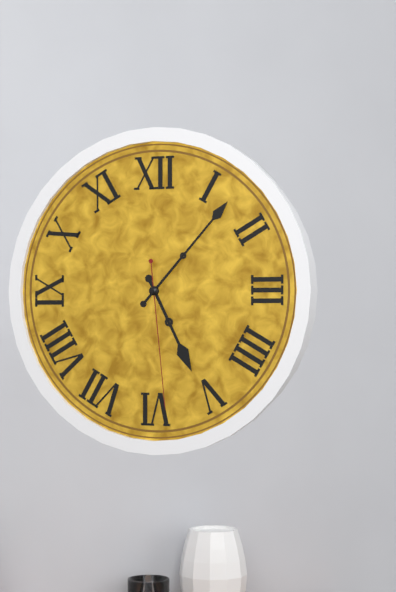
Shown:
5 h 07 min 29 s
